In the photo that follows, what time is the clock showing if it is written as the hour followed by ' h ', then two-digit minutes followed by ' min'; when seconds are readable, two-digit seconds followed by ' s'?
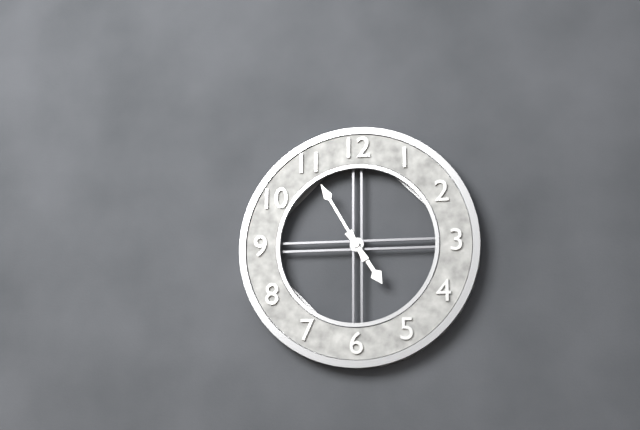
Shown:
4 h 55 min
